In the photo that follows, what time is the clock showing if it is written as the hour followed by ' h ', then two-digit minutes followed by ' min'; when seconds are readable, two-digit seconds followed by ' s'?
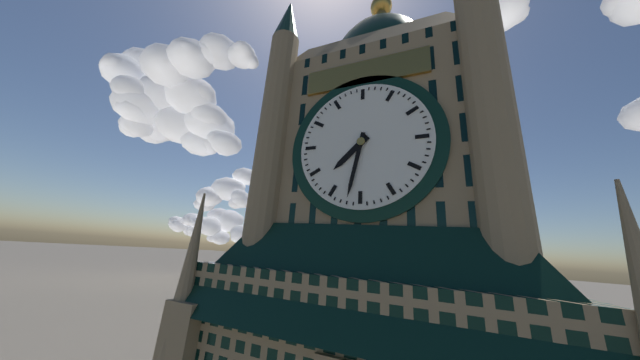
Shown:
7 h 32 min
